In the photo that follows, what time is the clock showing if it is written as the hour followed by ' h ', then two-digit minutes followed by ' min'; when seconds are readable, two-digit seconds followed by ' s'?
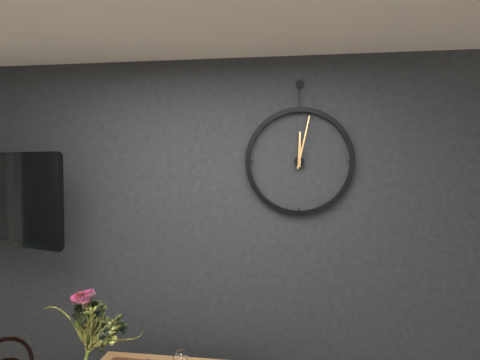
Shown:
12 h 02 min
